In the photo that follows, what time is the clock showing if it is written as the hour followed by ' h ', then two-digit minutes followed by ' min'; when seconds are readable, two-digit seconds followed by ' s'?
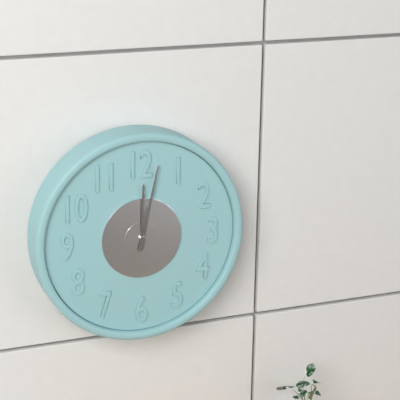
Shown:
12 h 02 min
